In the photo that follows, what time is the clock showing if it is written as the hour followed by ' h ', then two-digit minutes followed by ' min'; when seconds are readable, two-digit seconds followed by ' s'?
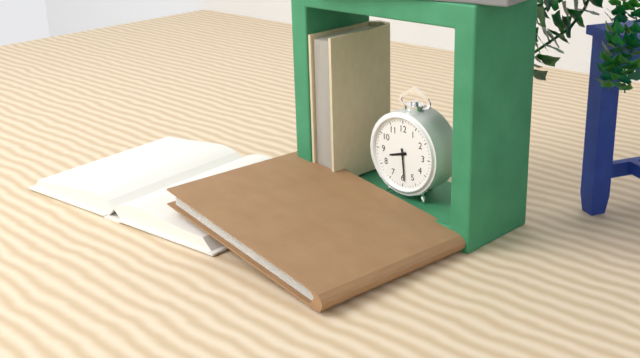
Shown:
8 h 29 min
